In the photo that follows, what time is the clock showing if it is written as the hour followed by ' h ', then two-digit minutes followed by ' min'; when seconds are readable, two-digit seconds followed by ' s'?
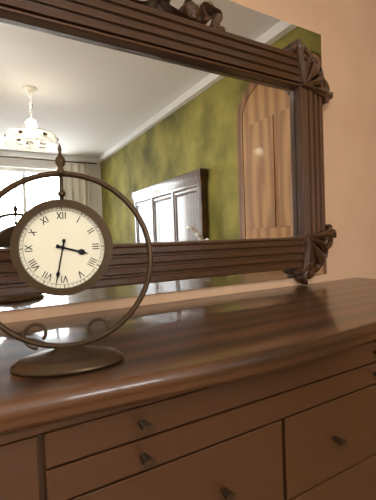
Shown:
3 h 32 min
